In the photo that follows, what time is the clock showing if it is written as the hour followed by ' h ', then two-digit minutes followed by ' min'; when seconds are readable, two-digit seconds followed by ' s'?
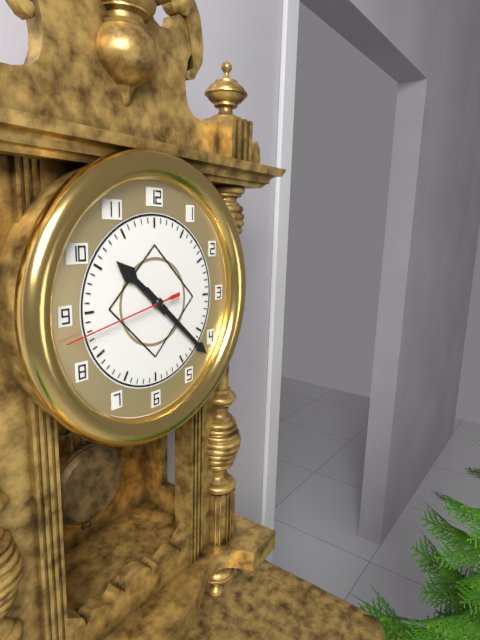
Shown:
10 h 22 min 43 s
